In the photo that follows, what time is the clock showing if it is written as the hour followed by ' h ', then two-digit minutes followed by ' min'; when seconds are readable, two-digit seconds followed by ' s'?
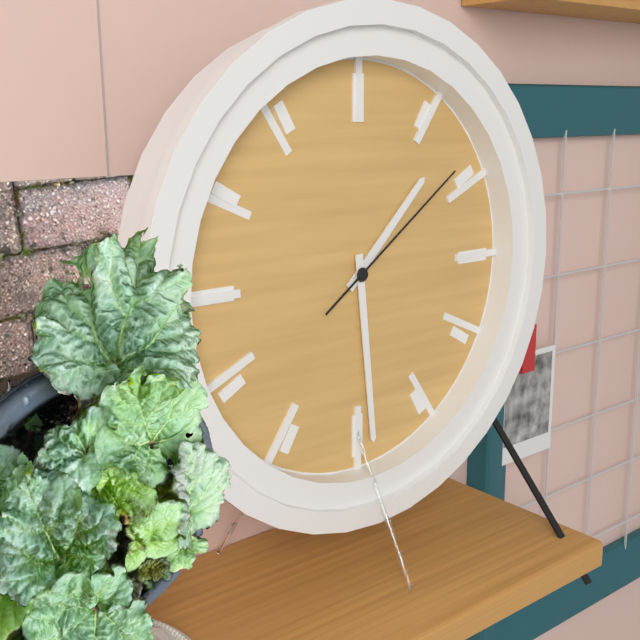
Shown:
1 h 29 min 09 s
